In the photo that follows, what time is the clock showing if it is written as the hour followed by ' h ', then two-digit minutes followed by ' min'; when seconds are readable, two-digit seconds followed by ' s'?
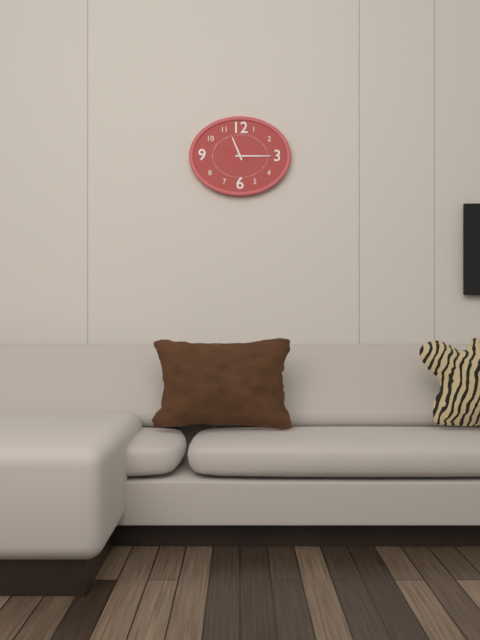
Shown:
11 h 15 min
